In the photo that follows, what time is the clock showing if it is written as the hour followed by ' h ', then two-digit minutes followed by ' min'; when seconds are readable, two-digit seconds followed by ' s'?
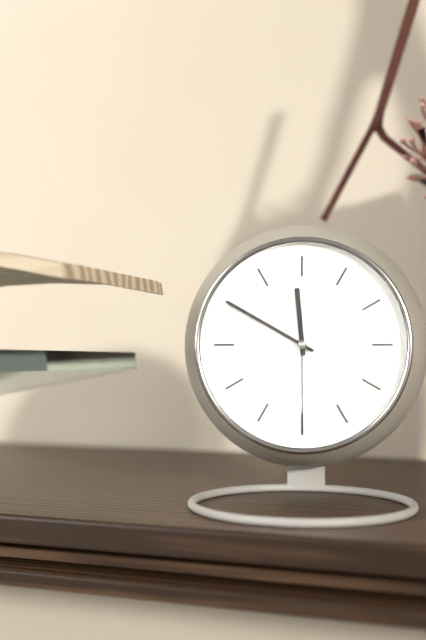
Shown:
11 h 50 min 30 s
